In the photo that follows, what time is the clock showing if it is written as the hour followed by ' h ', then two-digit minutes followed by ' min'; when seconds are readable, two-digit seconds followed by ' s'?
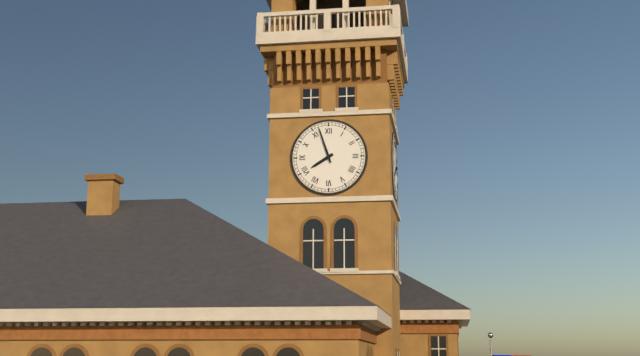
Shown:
7 h 57 min
